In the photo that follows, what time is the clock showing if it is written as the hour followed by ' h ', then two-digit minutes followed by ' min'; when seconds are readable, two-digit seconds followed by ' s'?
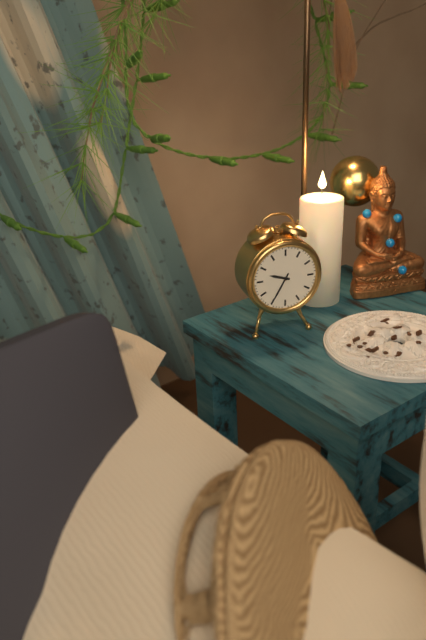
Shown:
9 h 35 min
